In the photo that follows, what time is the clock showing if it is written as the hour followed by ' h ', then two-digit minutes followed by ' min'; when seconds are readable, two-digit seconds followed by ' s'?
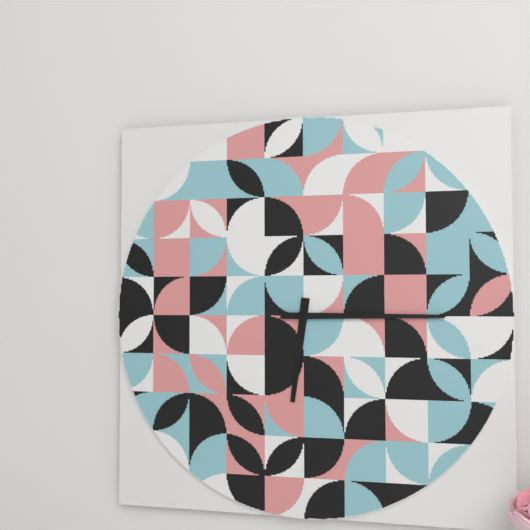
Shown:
6 h 15 min
